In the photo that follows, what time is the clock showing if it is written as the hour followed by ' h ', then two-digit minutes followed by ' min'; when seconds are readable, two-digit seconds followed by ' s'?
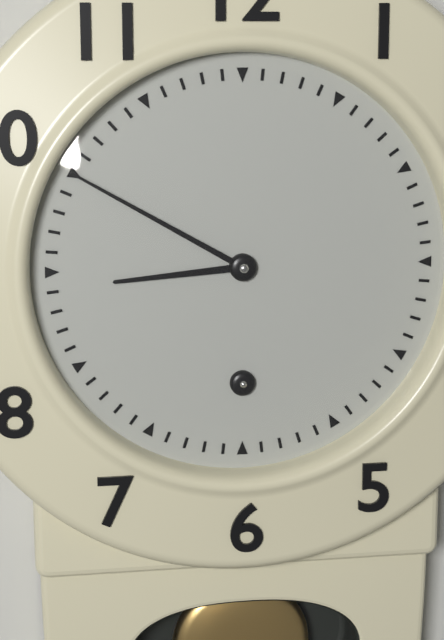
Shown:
8 h 50 min
